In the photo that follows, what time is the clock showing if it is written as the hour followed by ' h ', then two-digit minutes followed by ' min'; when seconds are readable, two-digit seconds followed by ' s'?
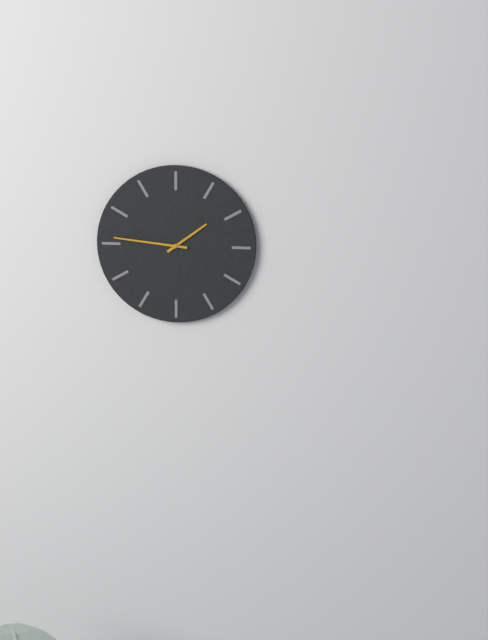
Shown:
1 h 46 min
